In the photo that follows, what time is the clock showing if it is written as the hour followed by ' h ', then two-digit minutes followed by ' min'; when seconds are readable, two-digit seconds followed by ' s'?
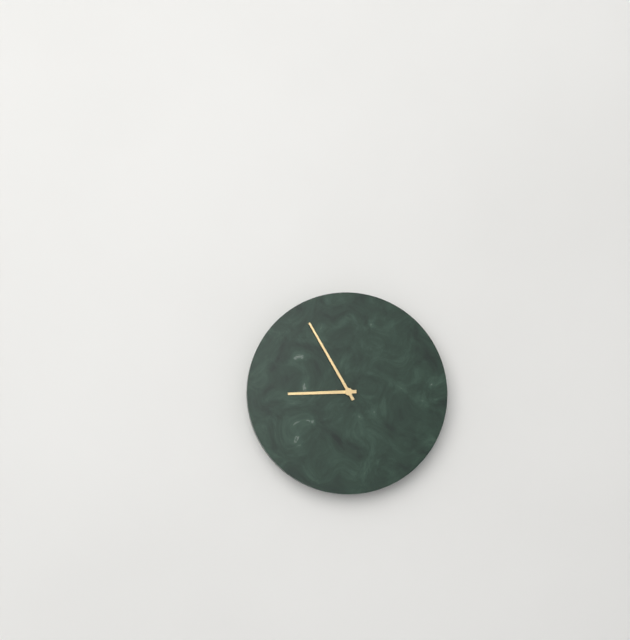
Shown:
8 h 55 min
